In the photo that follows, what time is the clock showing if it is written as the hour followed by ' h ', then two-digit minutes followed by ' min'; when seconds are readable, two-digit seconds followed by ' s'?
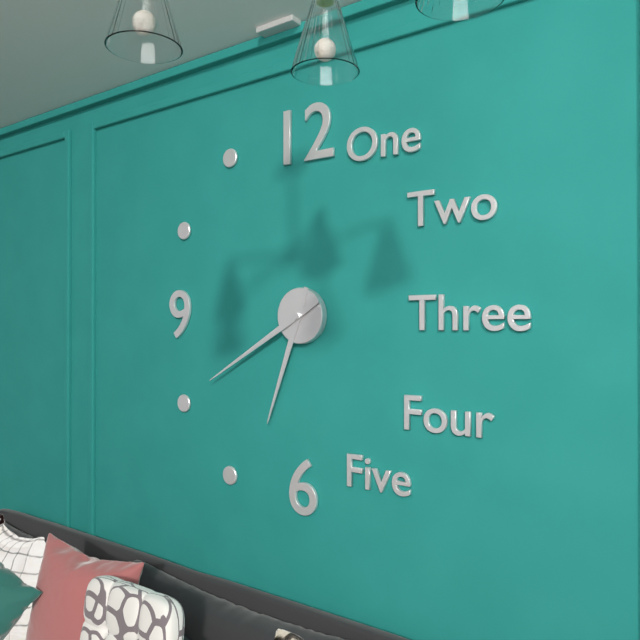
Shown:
6 h 40 min
